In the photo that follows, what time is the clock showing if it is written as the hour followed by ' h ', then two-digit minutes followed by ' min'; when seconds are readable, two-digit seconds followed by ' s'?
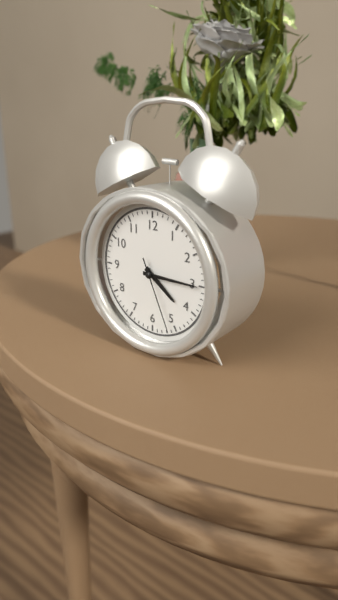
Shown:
4 h 15 min 26 s
